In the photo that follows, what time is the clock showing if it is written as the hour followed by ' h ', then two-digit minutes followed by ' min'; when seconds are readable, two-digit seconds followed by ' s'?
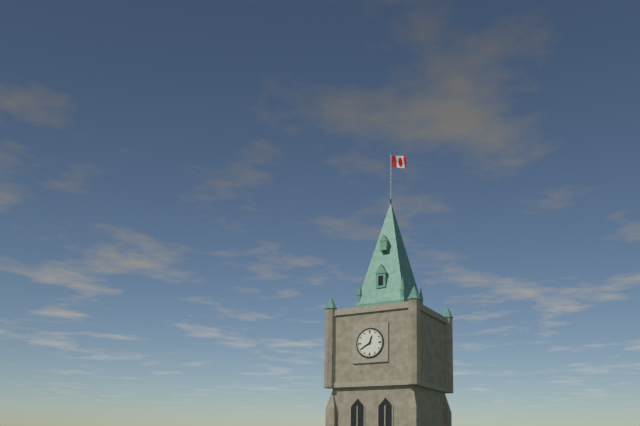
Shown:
12 h 40 min
